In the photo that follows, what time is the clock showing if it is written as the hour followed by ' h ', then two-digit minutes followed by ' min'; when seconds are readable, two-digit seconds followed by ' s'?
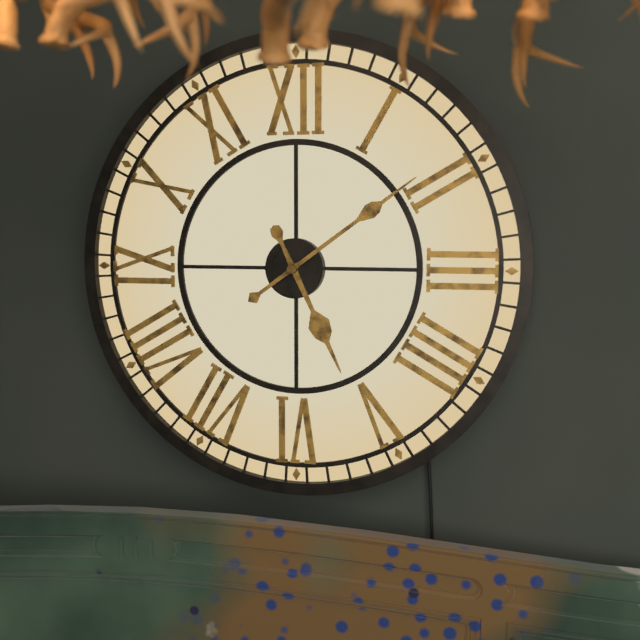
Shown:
5 h 09 min
